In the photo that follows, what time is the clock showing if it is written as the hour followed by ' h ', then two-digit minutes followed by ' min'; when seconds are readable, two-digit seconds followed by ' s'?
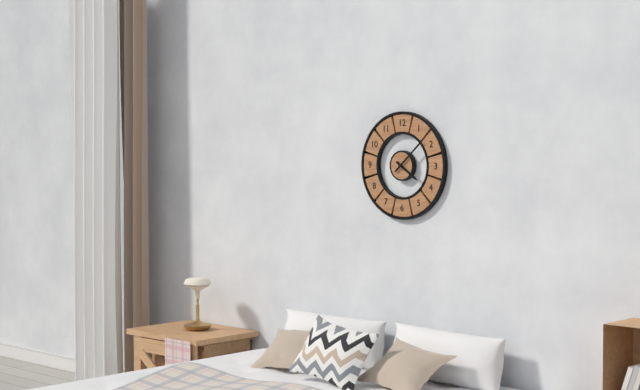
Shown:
4 h 08 min
